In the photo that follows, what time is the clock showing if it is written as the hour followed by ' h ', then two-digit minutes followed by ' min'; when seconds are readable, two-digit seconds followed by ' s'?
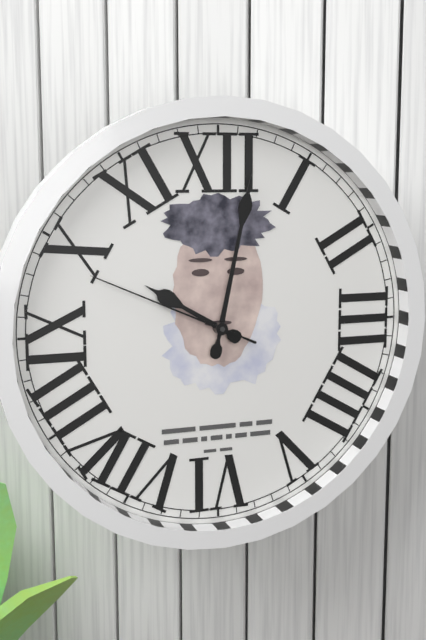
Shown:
10 h 02 min 49 s
